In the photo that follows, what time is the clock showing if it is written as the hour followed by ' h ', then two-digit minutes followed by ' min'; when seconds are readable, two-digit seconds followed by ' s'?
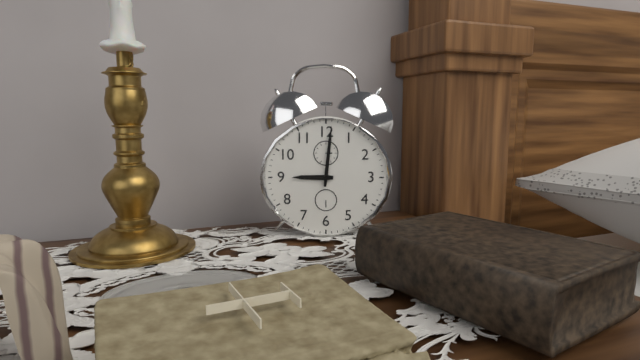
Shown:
9 h 01 min
